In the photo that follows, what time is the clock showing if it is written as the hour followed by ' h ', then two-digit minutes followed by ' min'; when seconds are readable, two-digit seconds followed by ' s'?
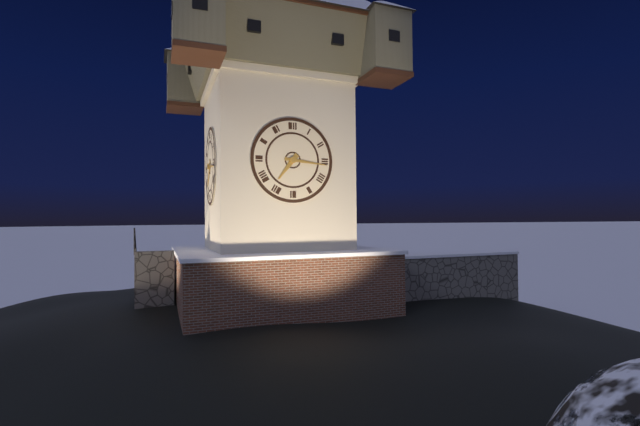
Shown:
7 h 16 min
